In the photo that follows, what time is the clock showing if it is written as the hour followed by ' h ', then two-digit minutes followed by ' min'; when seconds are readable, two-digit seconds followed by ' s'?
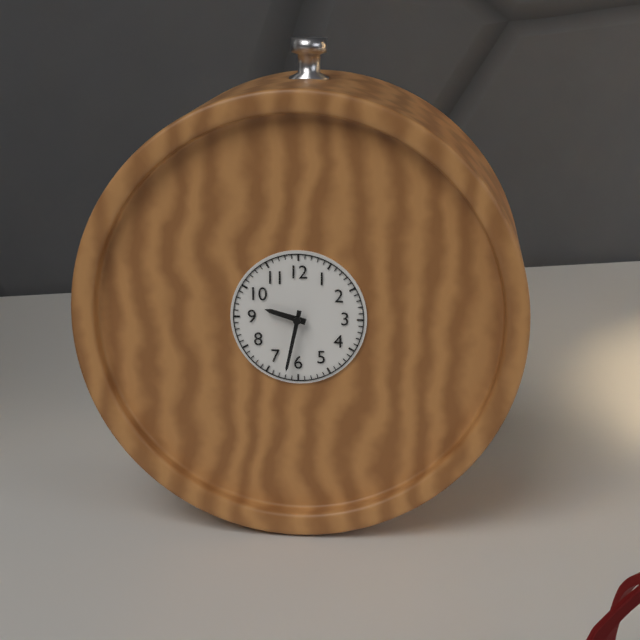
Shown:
9 h 32 min
